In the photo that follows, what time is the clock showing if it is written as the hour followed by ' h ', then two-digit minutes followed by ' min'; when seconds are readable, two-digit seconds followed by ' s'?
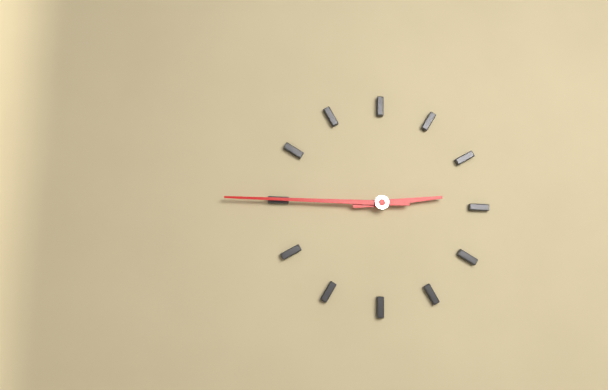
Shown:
2 h 45 min
